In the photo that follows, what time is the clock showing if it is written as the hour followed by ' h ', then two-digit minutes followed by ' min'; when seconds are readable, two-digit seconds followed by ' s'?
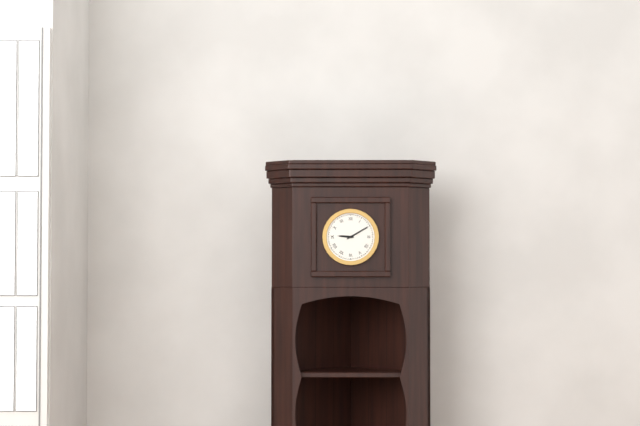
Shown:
9 h 10 min
